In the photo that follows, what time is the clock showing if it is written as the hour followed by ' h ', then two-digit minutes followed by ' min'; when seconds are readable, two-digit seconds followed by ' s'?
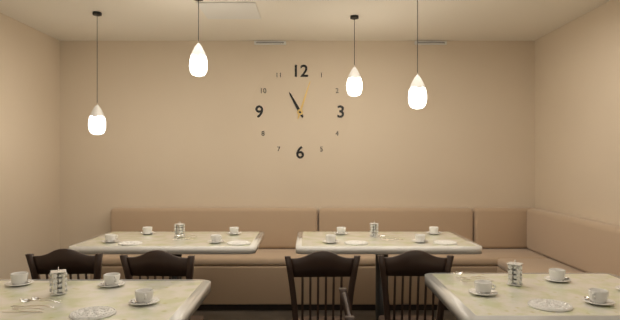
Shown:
11 h 03 min
